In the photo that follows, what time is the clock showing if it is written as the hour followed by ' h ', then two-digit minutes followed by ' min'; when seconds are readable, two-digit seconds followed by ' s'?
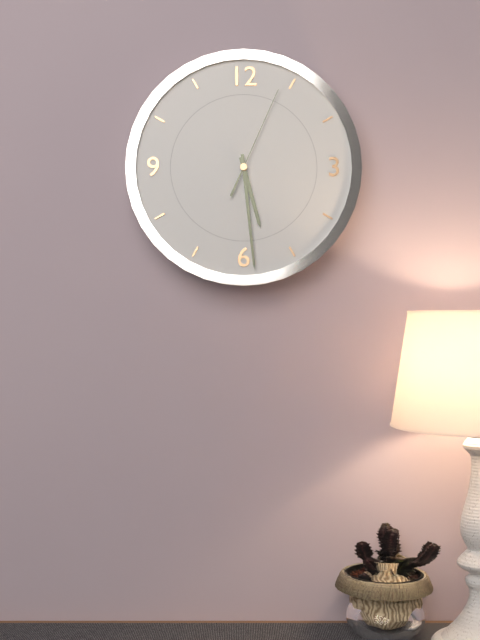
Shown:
5 h 29 min 04 s
